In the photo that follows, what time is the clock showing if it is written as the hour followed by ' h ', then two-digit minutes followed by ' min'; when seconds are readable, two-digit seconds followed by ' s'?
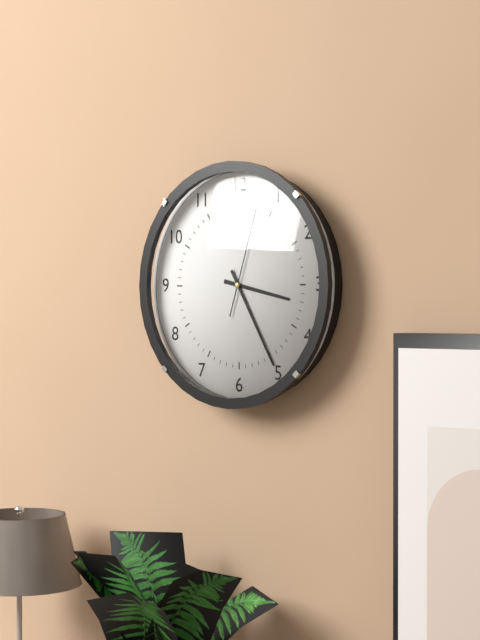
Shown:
3 h 25 min 03 s
